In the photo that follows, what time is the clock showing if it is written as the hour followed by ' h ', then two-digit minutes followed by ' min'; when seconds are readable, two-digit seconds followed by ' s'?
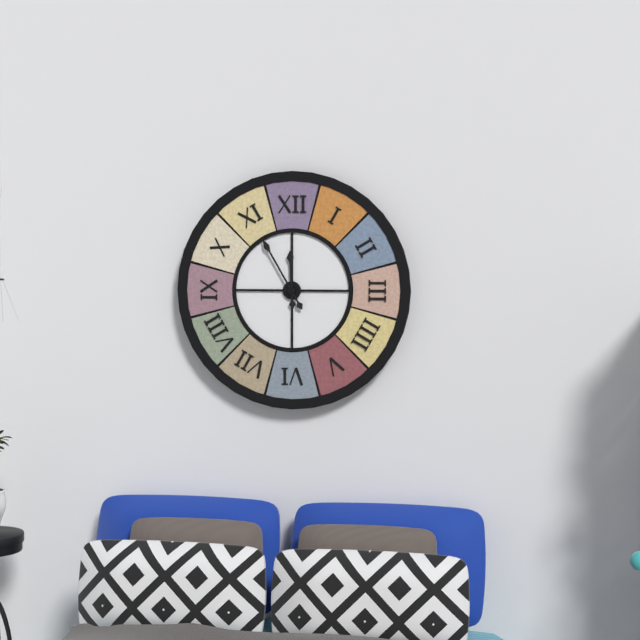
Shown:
11 h 55 min
